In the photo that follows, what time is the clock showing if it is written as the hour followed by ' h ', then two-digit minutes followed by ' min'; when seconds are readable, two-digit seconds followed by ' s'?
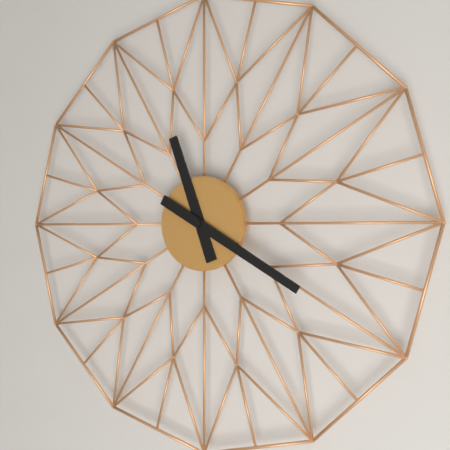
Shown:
11 h 20 min
